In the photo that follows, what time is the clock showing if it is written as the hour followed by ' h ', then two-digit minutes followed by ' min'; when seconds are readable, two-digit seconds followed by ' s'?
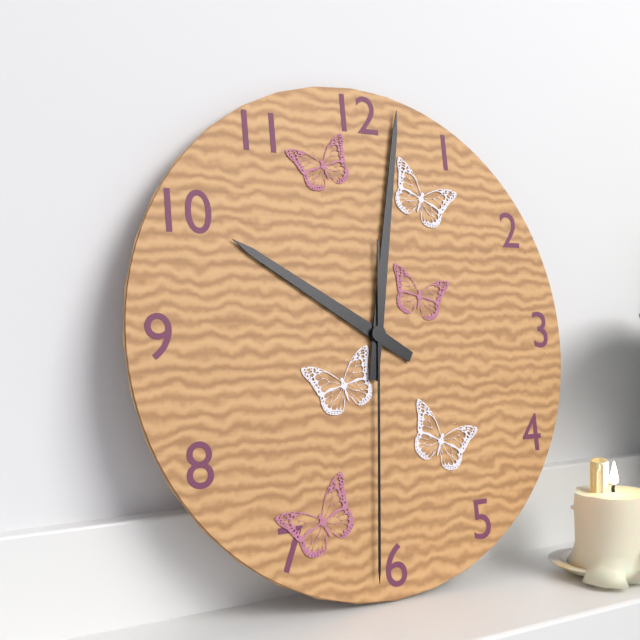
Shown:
10 h 02 min 31 s
